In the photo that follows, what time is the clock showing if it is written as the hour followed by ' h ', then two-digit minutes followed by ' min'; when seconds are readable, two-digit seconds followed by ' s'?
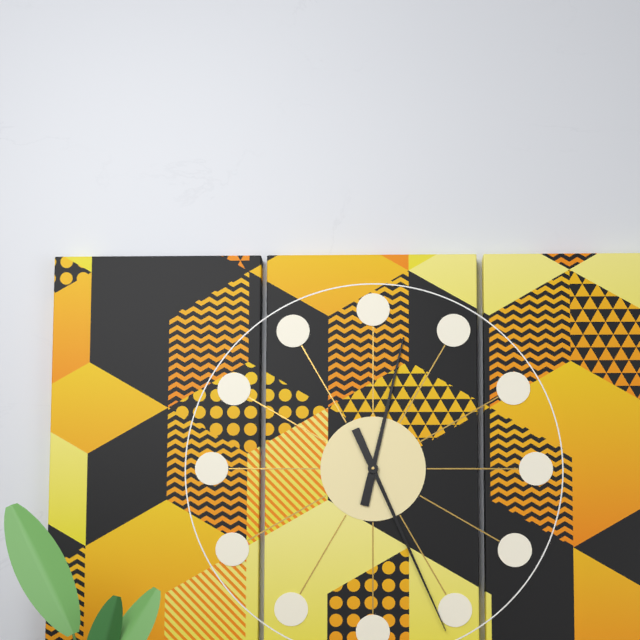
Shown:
12 h 26 min
